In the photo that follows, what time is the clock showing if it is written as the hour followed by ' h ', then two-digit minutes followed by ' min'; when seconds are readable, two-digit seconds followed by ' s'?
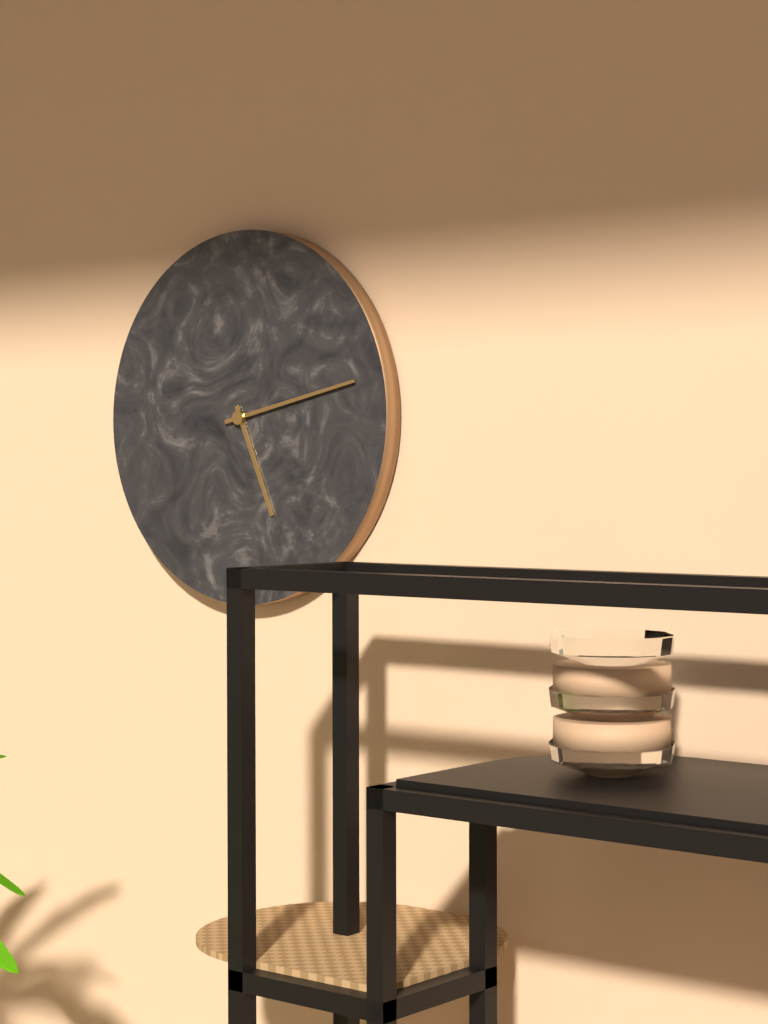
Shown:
5 h 13 min
